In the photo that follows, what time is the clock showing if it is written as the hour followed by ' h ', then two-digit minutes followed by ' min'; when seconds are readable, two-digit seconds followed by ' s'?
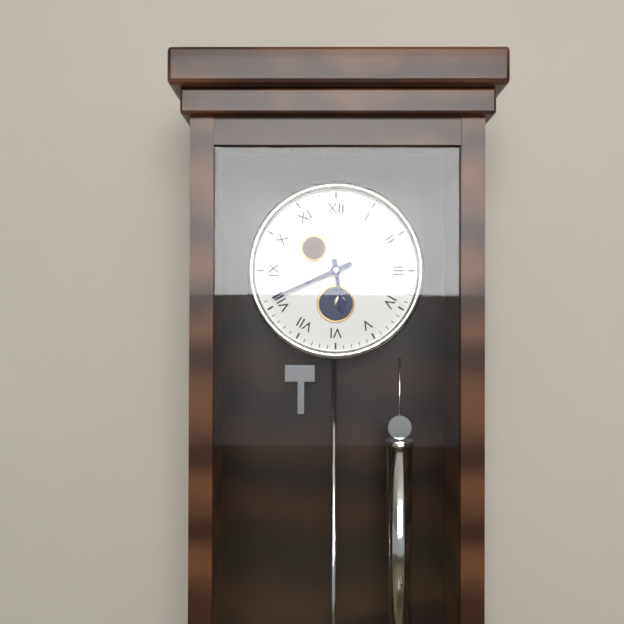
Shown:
5 h 41 min
